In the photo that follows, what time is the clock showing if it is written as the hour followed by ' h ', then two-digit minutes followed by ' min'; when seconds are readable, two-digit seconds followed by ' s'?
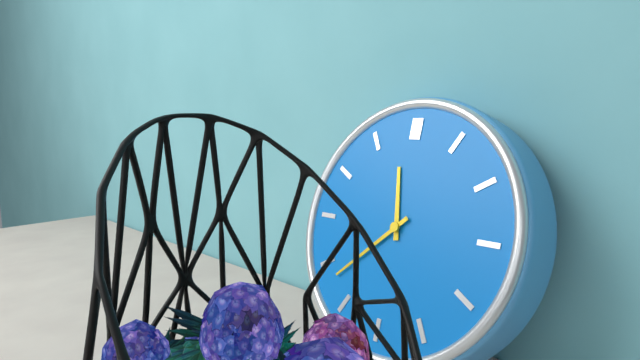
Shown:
11 h 38 min
